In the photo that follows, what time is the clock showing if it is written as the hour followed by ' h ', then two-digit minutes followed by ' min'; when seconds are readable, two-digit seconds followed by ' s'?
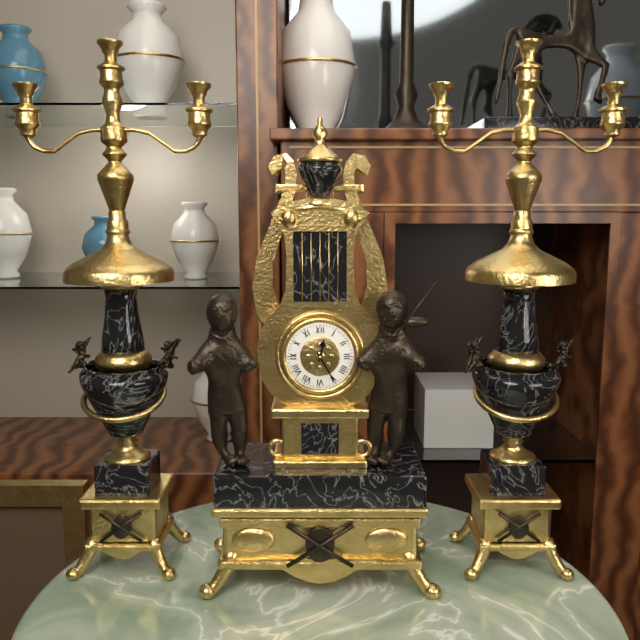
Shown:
12 h 25 min
